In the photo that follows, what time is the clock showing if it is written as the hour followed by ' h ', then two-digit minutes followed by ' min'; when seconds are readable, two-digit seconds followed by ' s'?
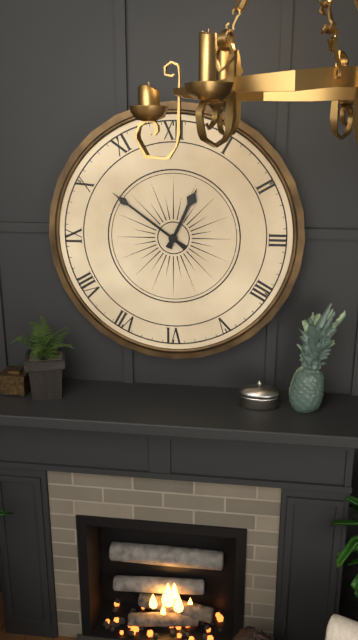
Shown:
12 h 51 min
